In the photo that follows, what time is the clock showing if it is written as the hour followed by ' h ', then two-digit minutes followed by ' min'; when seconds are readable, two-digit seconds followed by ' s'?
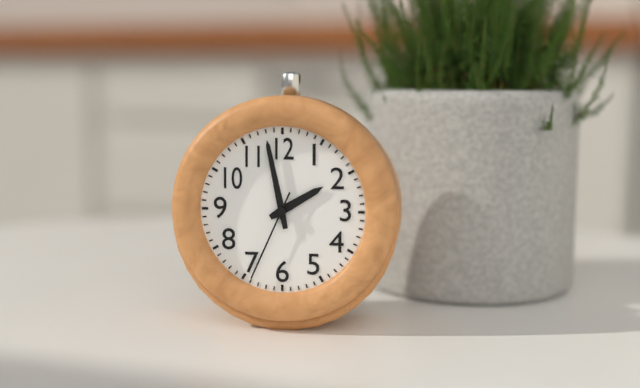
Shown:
1 h 58 min 34 s
